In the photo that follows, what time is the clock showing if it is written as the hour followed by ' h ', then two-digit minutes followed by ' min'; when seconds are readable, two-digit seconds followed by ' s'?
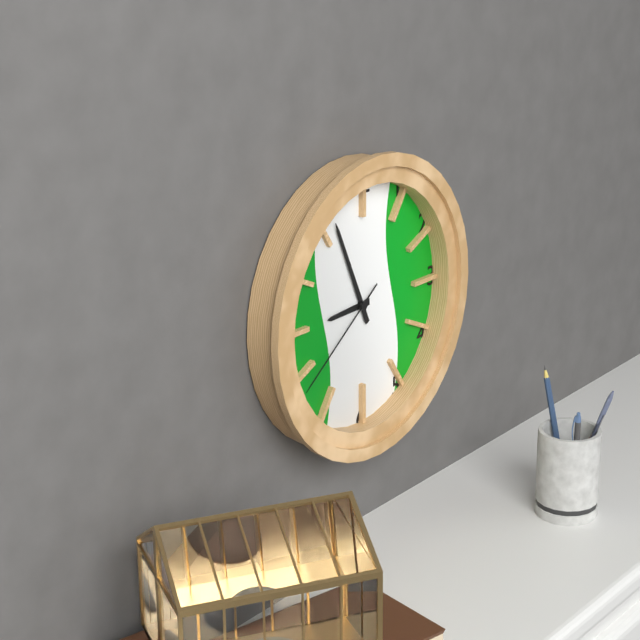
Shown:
8 h 56 min 39 s
